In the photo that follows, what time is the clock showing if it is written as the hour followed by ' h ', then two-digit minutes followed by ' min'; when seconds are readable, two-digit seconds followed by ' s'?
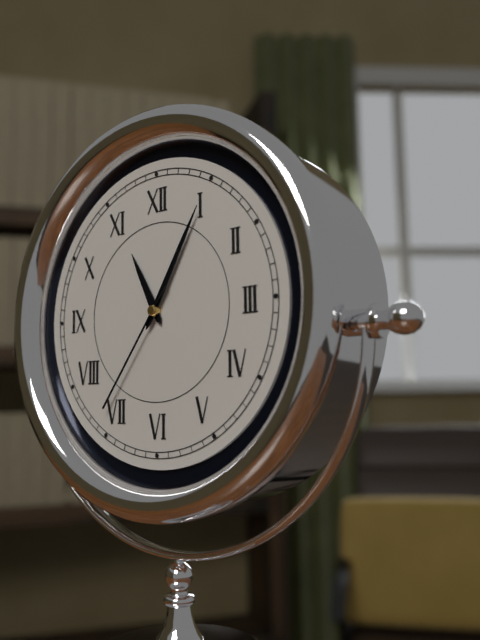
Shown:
11 h 05 min 36 s
